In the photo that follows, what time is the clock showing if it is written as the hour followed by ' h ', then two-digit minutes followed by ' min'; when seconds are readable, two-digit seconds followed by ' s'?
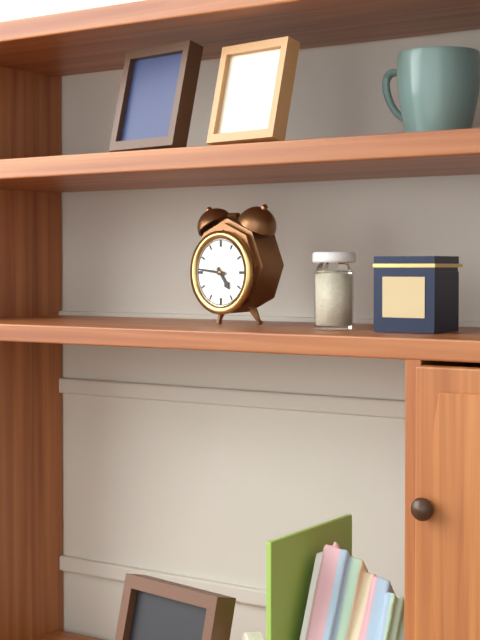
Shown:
4 h 46 min
